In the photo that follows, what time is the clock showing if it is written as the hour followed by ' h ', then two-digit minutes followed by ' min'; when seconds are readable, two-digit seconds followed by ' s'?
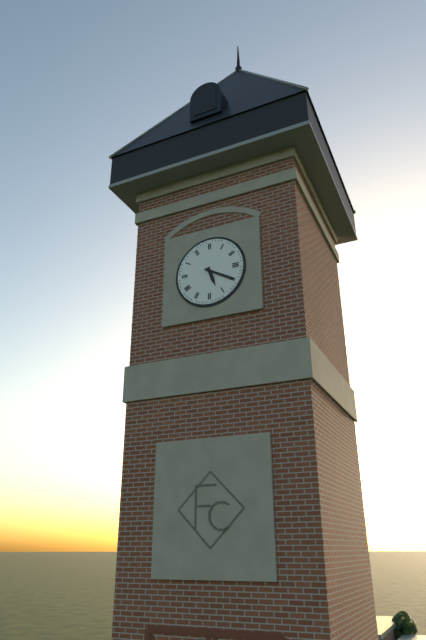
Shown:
5 h 20 min
